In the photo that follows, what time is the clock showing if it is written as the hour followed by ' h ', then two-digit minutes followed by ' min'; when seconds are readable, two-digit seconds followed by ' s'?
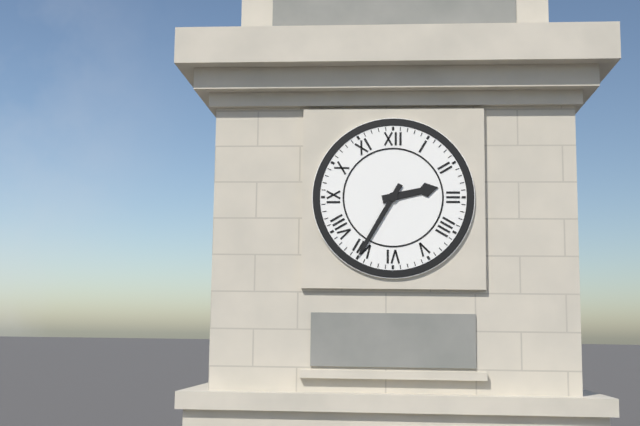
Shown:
2 h 35 min
